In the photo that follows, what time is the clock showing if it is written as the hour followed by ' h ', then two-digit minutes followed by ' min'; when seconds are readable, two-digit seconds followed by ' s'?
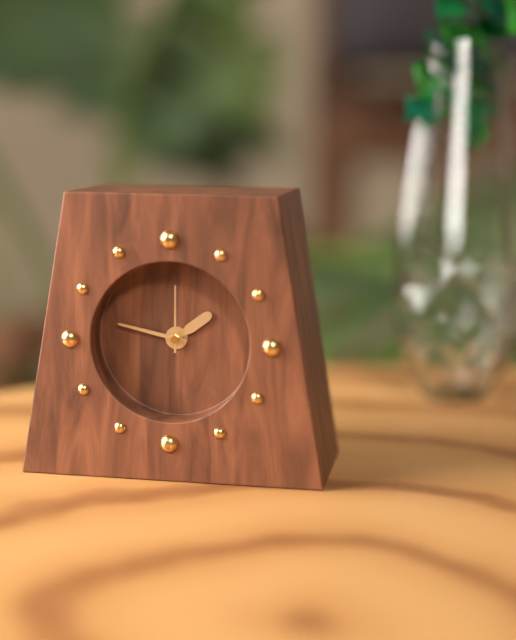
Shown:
1 h 47 min 00 s
